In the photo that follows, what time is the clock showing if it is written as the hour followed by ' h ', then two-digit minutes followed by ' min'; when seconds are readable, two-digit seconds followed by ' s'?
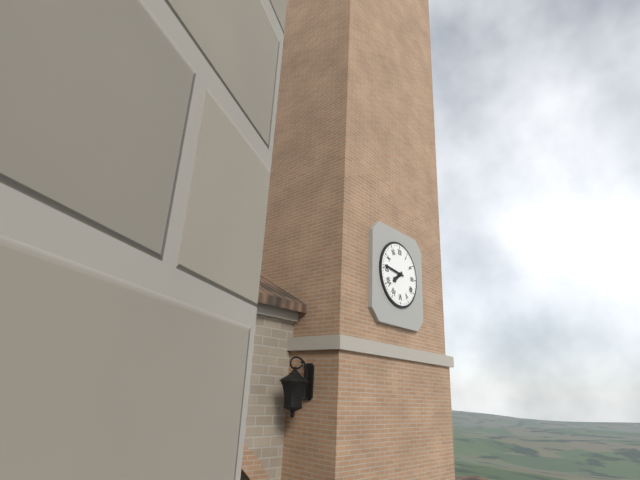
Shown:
7 h 46 min
